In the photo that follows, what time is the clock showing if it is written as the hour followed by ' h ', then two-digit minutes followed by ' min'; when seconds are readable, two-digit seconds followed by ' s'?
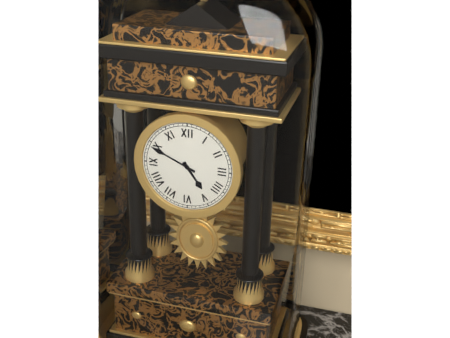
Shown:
4 h 49 min
